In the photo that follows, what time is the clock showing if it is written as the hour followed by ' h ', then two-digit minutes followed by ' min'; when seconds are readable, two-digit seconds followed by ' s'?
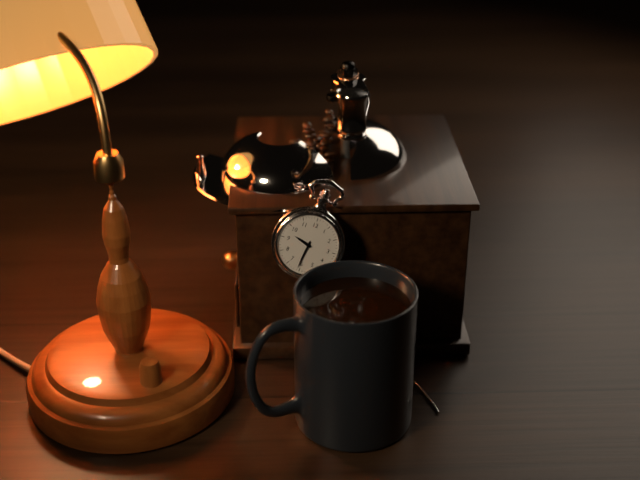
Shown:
9 h 31 min
